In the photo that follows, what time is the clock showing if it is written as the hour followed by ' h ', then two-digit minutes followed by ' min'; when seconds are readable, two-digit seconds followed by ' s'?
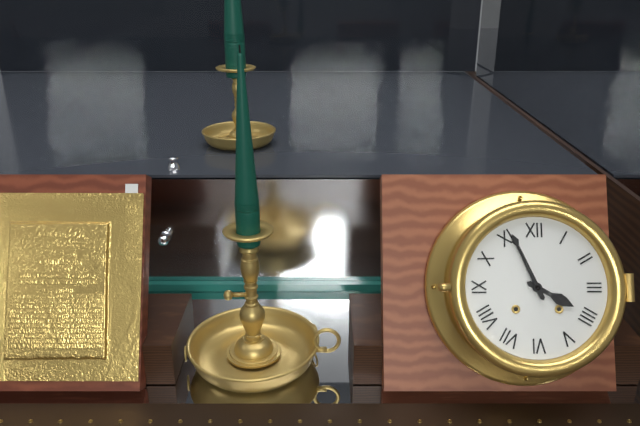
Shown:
3 h 56 min
